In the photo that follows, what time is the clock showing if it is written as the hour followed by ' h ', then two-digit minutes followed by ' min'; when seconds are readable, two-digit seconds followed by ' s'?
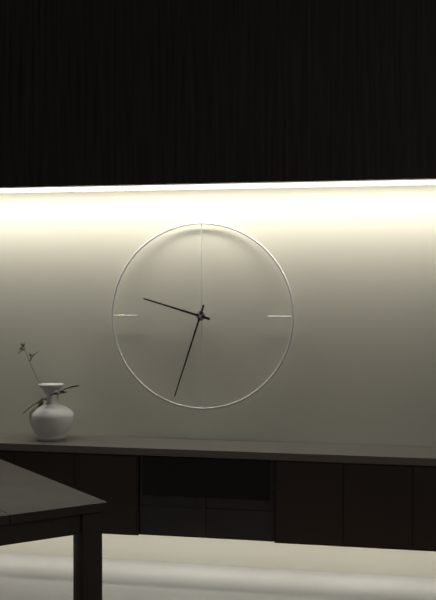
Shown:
9 h 33 min
